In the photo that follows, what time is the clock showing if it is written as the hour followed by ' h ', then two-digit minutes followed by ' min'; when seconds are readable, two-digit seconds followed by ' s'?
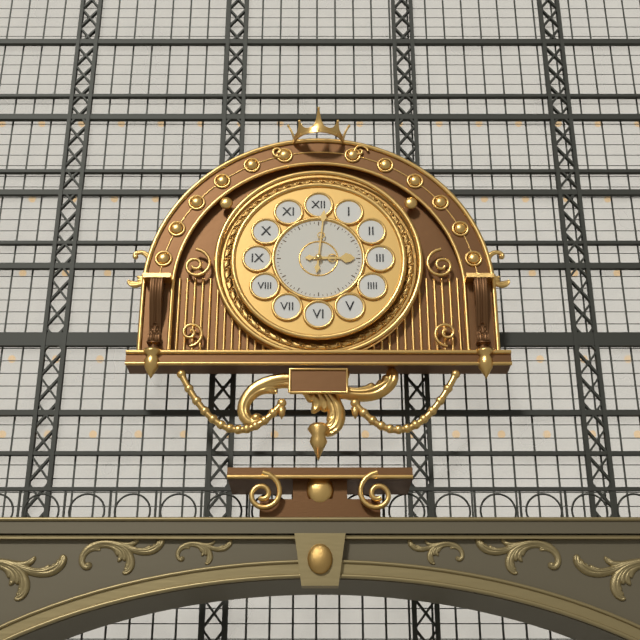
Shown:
3 h 01 min
